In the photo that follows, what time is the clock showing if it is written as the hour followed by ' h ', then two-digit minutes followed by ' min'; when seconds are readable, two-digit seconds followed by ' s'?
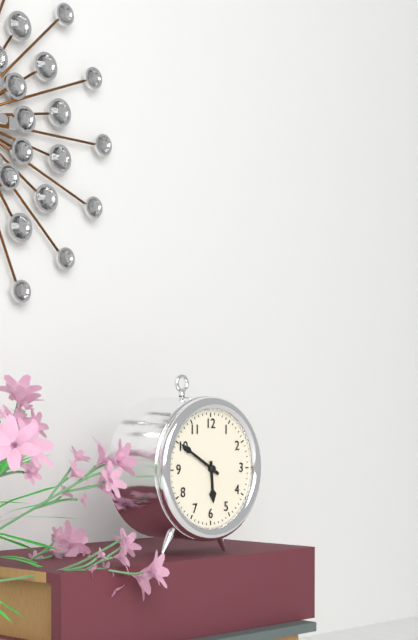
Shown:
5 h 50 min
